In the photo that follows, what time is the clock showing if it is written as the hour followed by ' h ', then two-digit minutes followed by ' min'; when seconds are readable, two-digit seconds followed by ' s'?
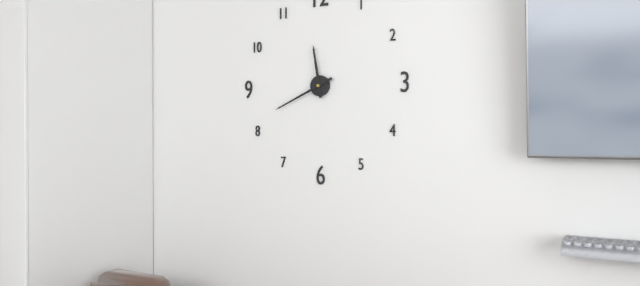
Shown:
11 h 41 min
